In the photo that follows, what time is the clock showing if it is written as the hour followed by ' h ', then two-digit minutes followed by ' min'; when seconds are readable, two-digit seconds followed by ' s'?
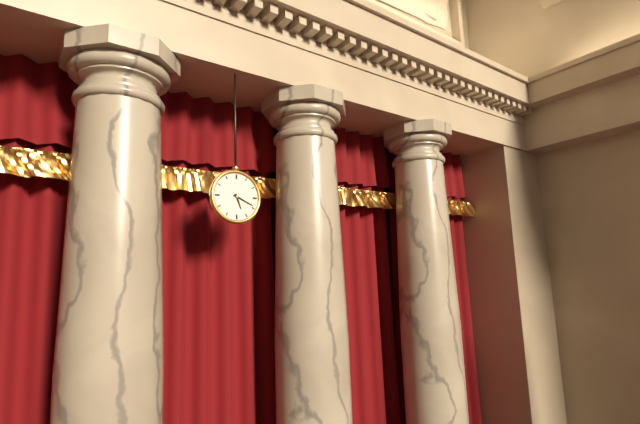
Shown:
5 h 19 min
